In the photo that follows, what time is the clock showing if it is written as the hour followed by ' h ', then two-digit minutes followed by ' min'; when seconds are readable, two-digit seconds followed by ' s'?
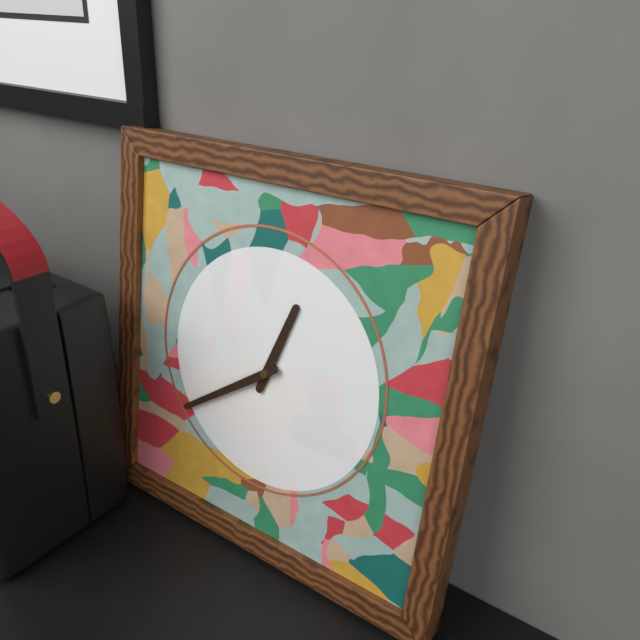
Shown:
12 h 39 min
